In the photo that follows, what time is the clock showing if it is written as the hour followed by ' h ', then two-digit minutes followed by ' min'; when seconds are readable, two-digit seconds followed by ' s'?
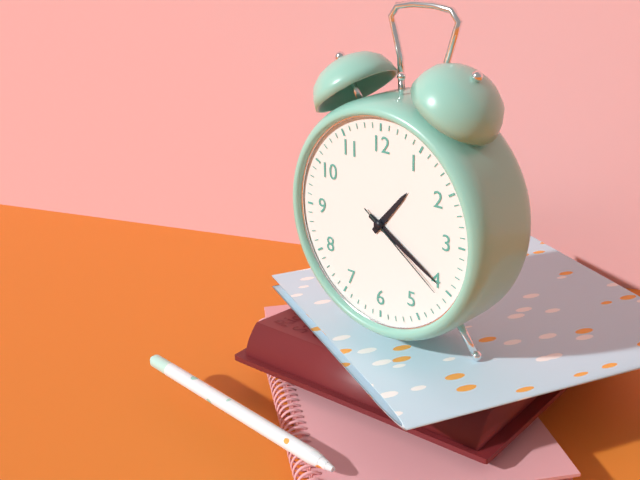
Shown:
1 h 20 min 21 s
